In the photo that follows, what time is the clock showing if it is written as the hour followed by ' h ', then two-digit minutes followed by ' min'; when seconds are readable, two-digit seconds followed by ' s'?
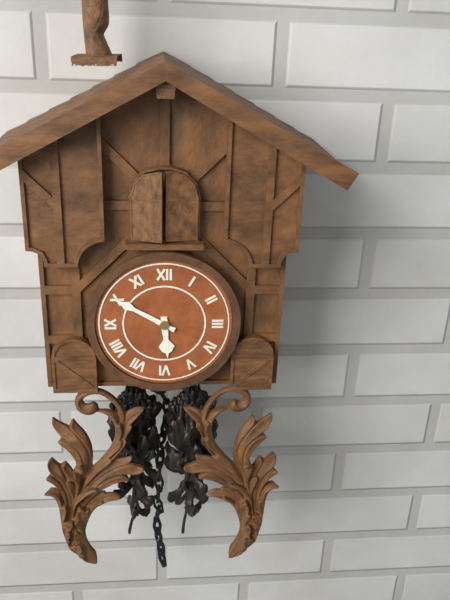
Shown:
5 h 50 min
